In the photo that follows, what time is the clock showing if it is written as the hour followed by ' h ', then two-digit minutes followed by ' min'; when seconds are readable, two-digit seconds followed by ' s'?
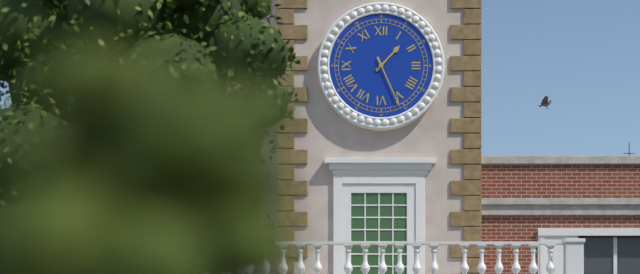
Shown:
1 h 26 min
